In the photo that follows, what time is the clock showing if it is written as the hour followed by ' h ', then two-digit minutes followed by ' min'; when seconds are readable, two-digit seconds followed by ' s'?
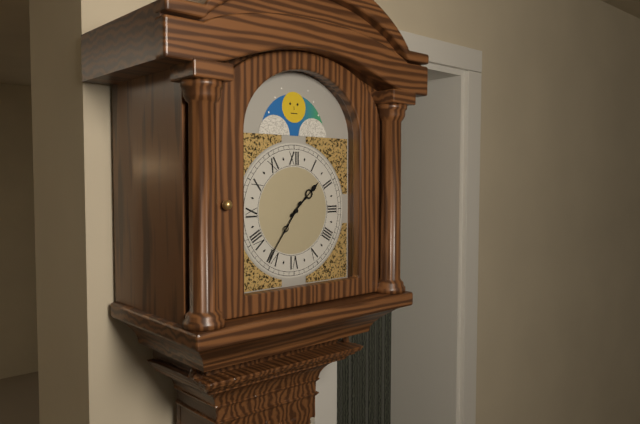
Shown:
1 h 36 min
